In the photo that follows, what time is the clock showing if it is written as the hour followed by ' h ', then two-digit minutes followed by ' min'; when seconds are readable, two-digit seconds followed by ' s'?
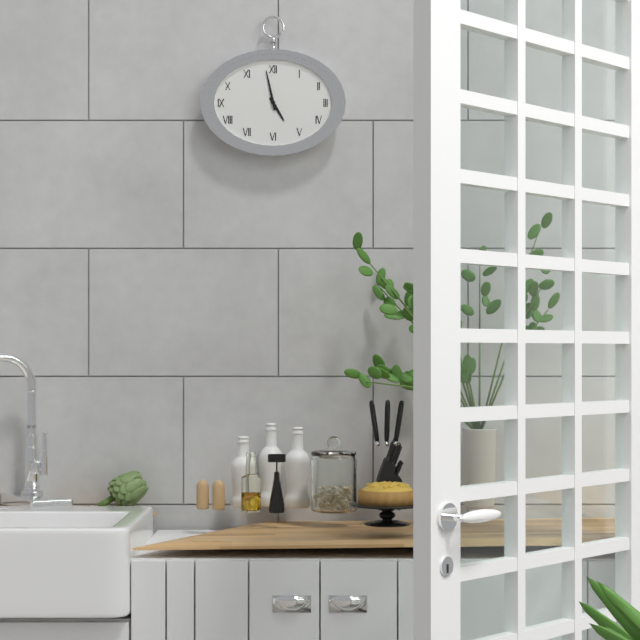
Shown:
4 h 58 min
